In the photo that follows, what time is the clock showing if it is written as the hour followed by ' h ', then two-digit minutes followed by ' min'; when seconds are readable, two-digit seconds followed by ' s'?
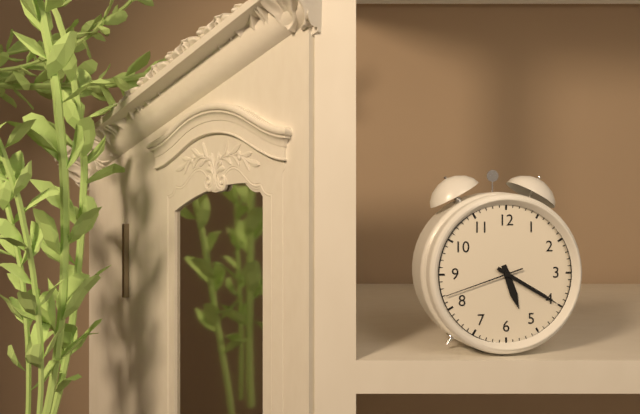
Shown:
5 h 20 min 42 s
